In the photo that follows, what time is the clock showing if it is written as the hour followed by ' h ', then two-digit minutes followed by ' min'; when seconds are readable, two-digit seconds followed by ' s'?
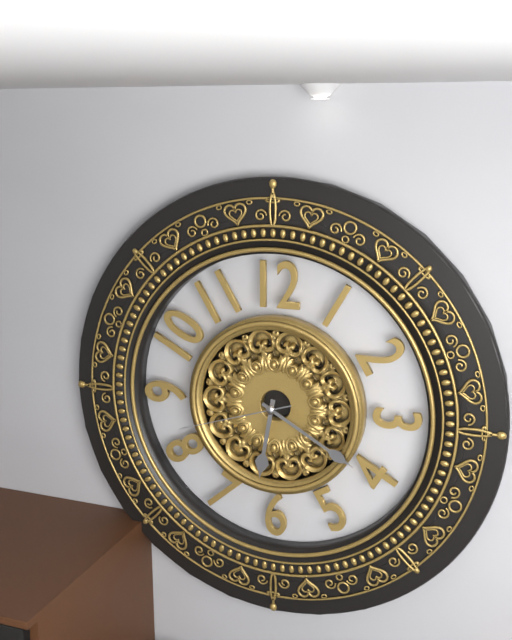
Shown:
6 h 20 min 42 s
